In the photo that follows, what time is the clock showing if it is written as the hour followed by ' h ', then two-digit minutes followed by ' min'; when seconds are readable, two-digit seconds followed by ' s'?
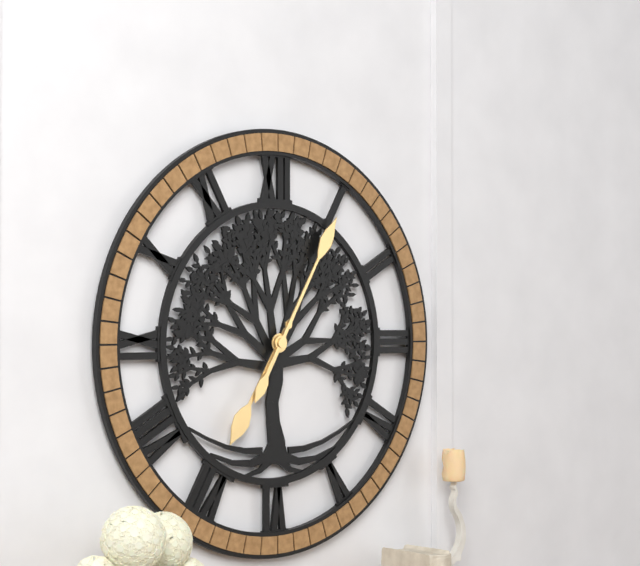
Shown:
7 h 05 min
